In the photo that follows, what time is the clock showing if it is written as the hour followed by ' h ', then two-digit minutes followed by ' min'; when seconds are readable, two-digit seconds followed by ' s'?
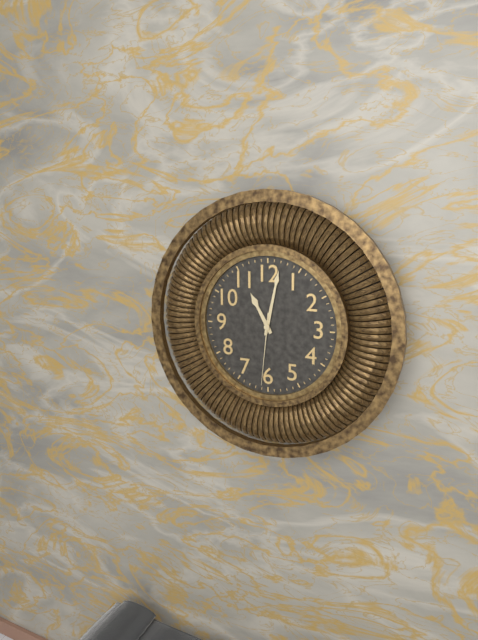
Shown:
11 h 02 min 31 s
